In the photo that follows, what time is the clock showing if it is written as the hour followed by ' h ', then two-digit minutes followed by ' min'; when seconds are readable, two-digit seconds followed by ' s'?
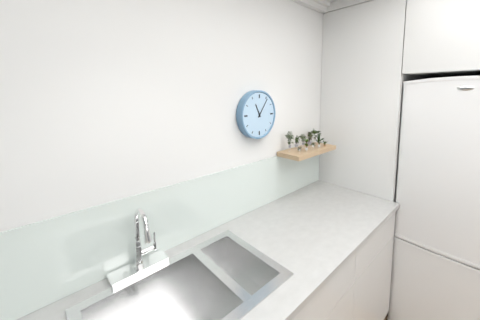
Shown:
11 h 06 min
